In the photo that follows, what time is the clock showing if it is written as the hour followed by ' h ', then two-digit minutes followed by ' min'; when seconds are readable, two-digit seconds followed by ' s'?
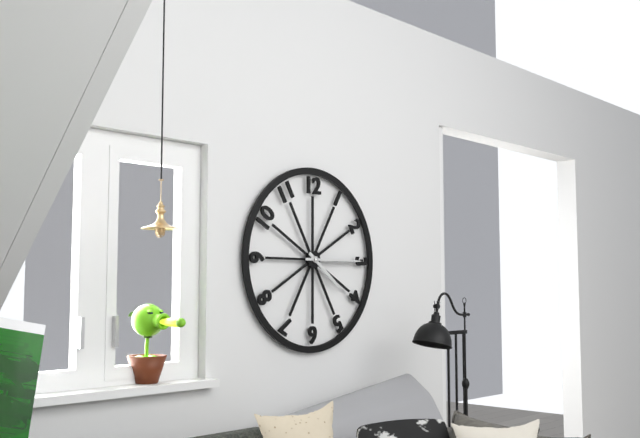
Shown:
4 h 15 min
